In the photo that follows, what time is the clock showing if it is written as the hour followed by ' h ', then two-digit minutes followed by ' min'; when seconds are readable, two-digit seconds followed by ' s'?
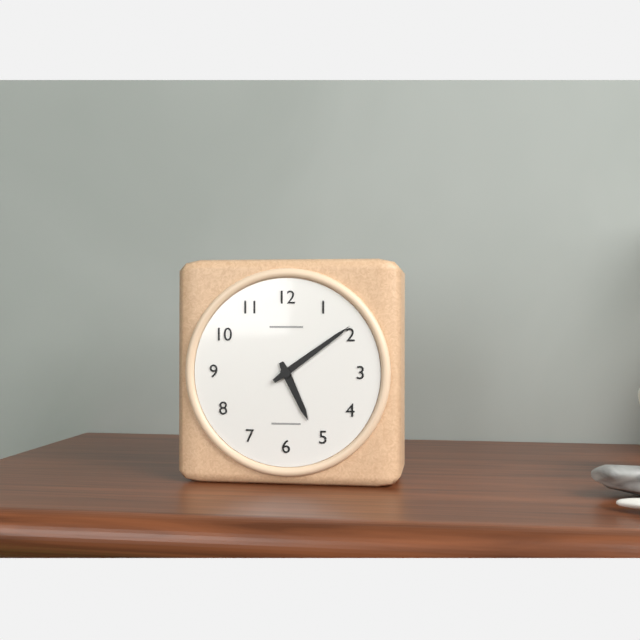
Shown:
5 h 09 min
